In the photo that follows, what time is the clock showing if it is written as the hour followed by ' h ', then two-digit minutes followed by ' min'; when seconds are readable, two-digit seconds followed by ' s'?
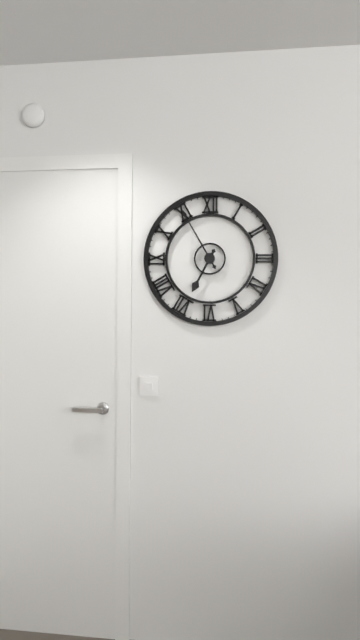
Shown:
6 h 55 min
